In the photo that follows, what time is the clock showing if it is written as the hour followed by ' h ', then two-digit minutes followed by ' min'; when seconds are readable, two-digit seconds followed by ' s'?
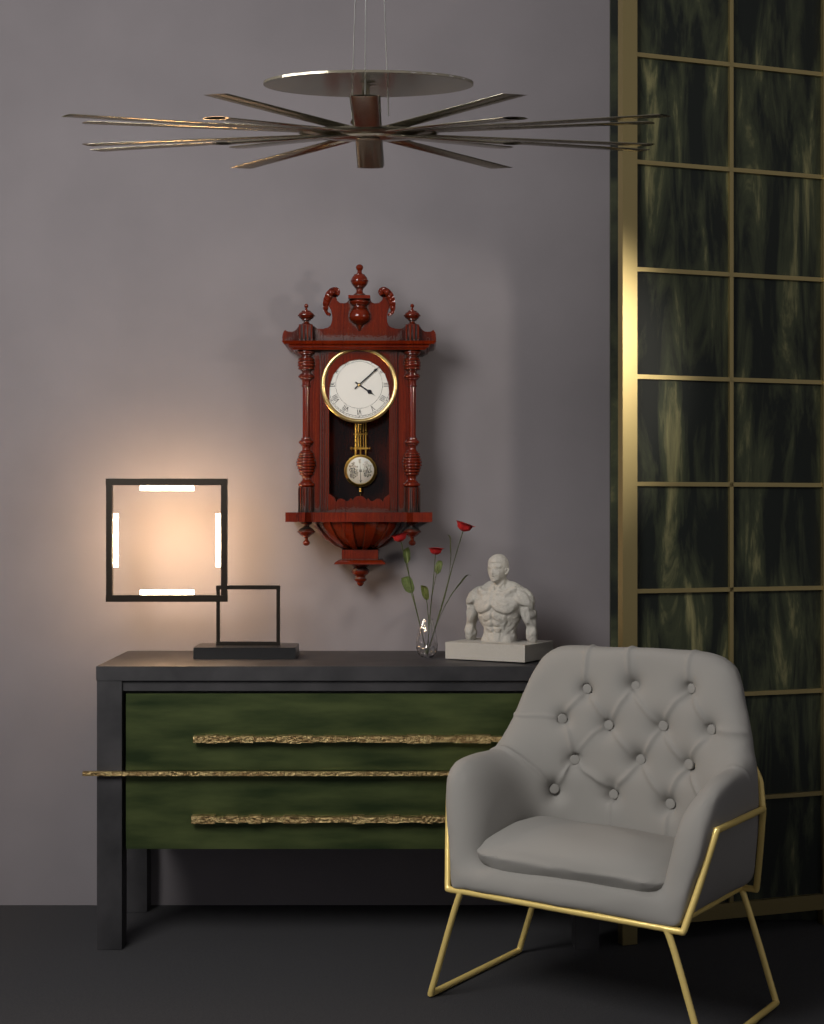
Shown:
4 h 08 min
